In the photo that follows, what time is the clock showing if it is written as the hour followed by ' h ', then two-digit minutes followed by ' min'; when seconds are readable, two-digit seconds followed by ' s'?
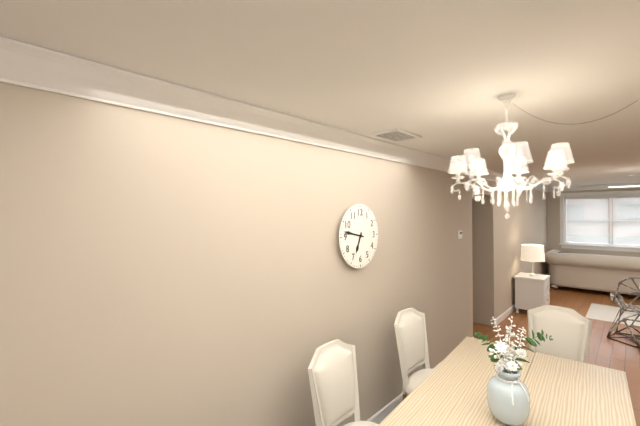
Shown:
6 h 47 min
